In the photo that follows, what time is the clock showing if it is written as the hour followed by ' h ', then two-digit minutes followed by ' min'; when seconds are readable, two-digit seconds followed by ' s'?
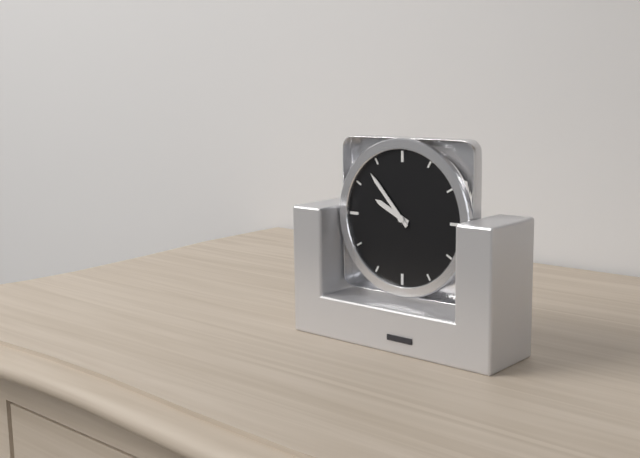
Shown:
9 h 53 min
